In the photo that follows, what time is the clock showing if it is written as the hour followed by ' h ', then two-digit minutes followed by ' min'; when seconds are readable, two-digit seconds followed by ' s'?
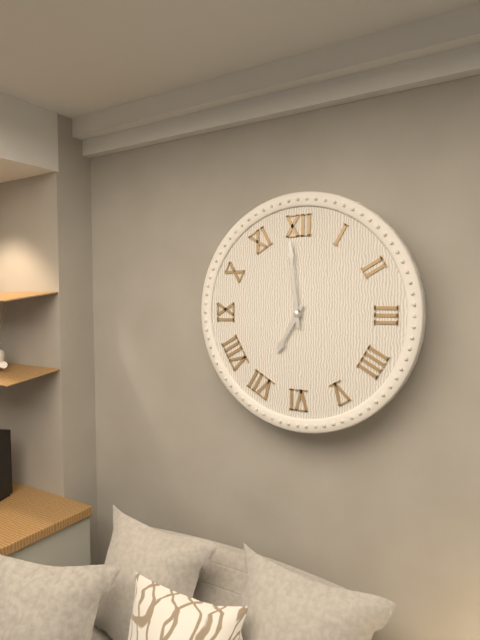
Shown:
6 h 59 min
